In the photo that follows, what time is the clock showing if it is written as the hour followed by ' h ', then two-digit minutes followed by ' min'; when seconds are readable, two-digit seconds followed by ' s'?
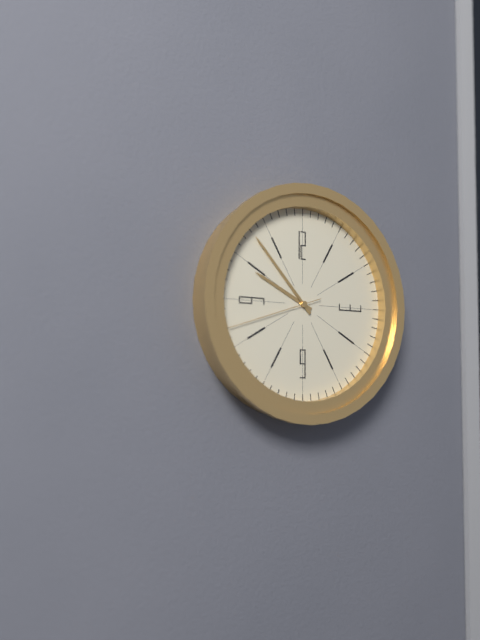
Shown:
9 h 53 min 42 s
